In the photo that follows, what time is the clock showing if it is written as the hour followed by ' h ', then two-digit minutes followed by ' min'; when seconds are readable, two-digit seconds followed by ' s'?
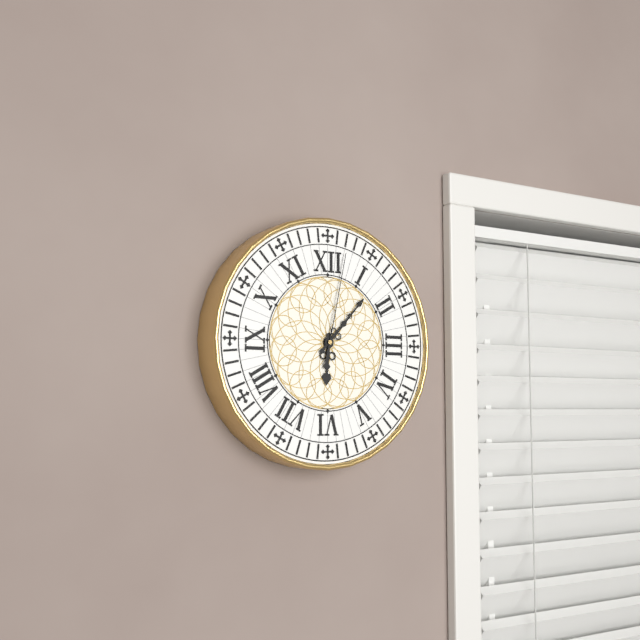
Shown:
6 h 07 min 02 s
